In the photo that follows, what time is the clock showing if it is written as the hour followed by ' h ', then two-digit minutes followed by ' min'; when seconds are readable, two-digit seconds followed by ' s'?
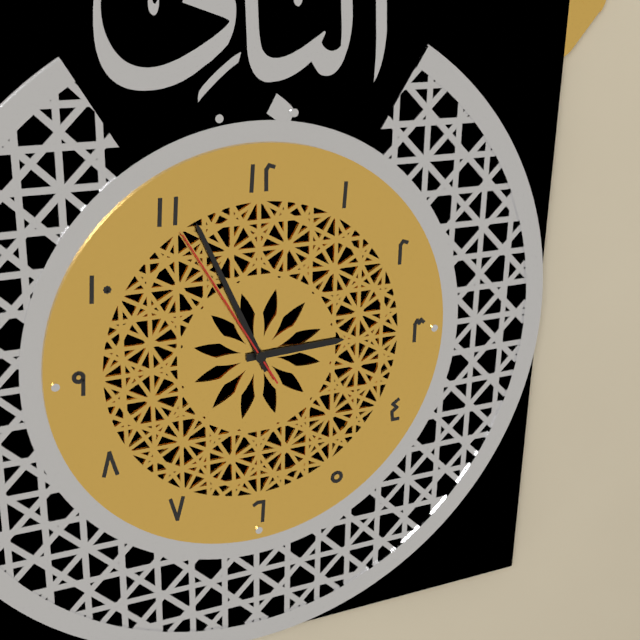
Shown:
2 h 56 min 55 s
